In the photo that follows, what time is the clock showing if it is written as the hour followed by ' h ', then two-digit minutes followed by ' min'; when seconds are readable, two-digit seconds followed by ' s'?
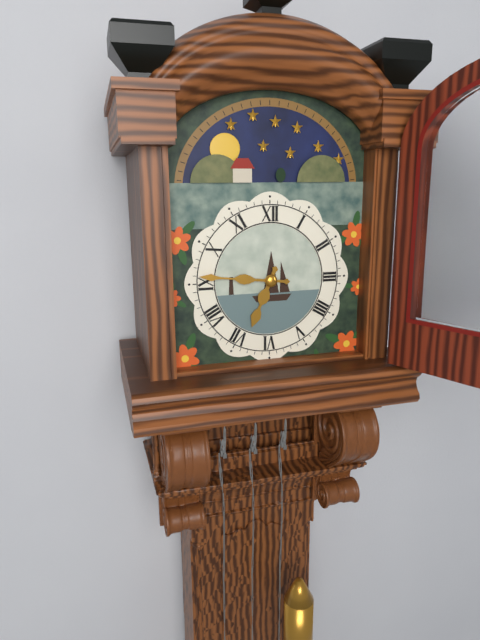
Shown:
6 h 46 min
